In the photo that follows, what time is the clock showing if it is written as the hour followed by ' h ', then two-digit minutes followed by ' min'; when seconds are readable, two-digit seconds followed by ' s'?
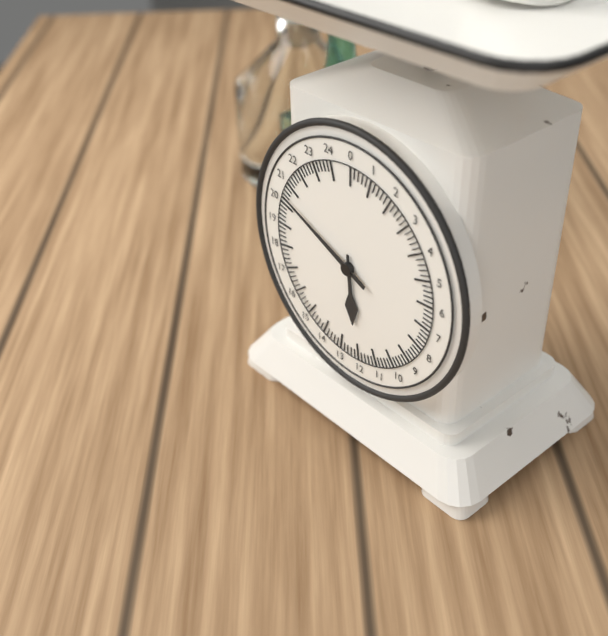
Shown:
5 h 49 min
